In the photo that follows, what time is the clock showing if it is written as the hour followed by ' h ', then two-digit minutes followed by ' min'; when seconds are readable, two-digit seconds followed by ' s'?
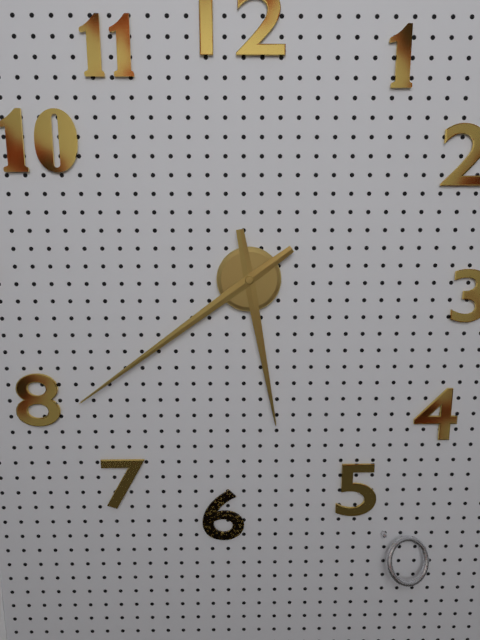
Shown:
5 h 39 min
